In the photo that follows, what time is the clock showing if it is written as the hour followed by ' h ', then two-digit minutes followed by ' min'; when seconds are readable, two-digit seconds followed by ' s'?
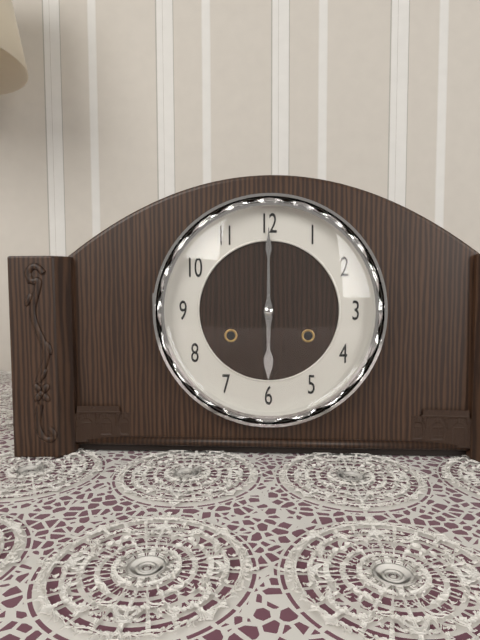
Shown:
6 h 00 min
